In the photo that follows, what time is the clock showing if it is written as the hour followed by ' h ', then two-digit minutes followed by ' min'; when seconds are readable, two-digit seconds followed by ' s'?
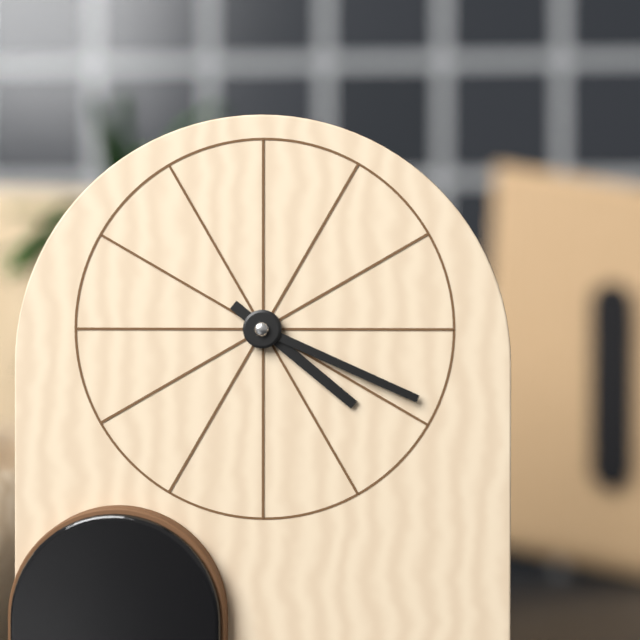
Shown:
4 h 19 min
